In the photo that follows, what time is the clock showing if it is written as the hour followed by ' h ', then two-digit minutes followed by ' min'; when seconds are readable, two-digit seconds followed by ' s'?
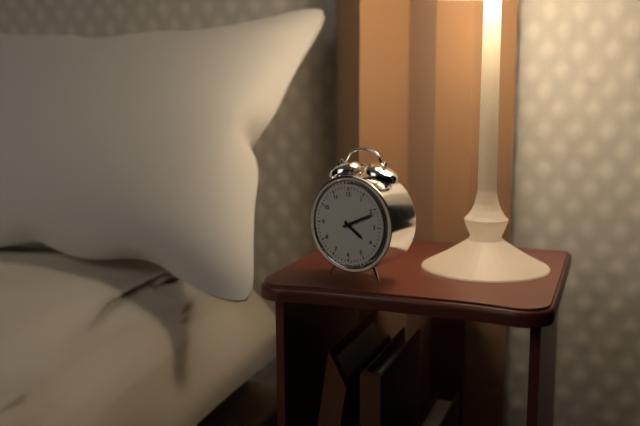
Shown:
4 h 11 min
